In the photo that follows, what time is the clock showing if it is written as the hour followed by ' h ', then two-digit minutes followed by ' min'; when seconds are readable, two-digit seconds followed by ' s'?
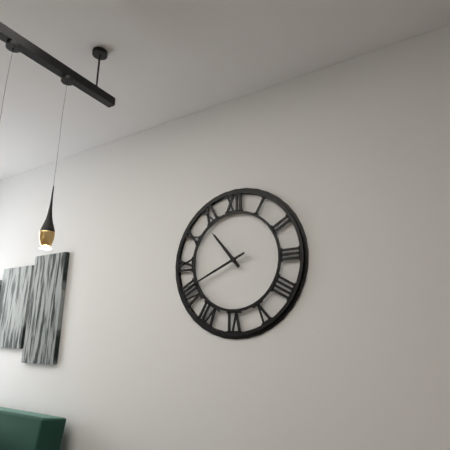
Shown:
10 h 41 min
